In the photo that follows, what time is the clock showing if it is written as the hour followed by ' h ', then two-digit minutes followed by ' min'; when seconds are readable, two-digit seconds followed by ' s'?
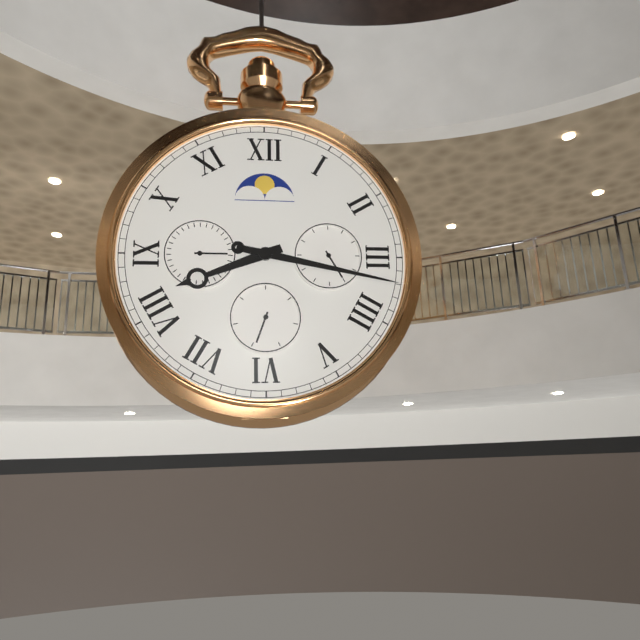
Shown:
8 h 17 min
